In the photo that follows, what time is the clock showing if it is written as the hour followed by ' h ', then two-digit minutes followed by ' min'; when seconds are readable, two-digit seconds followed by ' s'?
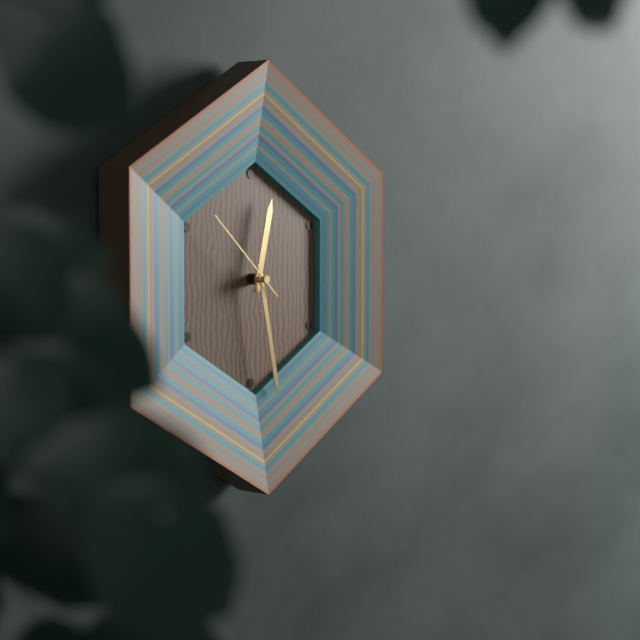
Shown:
12 h 28 min 52 s
